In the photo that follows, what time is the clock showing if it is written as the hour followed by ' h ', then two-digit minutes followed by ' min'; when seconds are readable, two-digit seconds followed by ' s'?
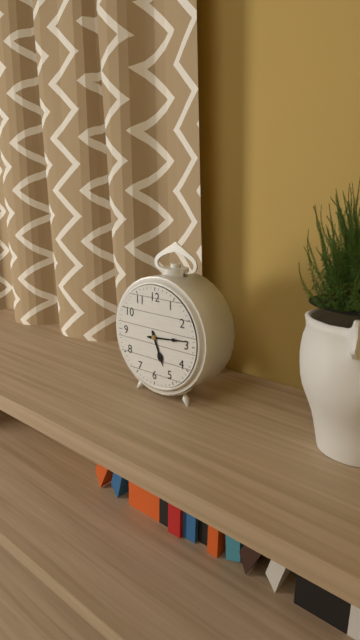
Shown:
5 h 14 min
